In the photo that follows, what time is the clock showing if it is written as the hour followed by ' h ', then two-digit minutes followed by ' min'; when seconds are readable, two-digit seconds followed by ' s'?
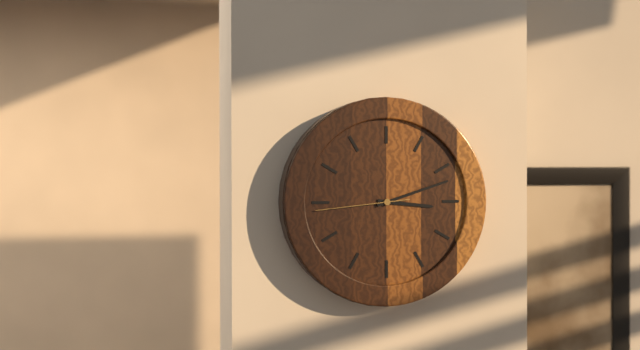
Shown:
3 h 12 min 44 s
